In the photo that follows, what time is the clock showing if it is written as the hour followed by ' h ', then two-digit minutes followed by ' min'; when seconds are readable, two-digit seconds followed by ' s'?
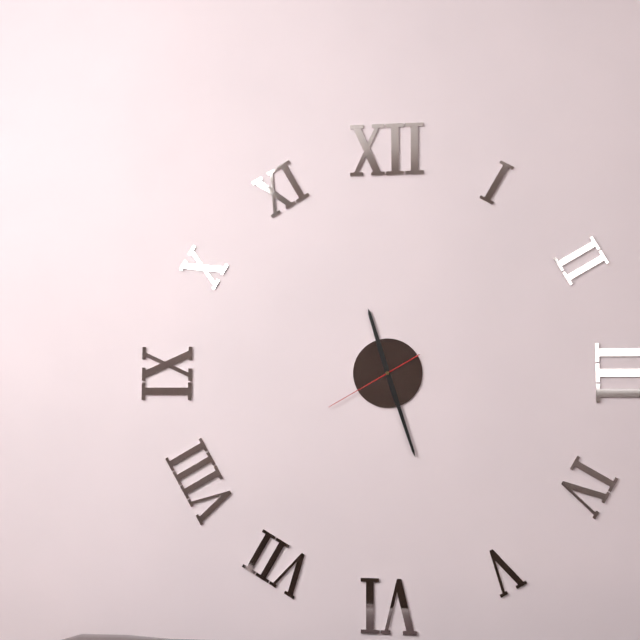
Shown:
11 h 27 min 40 s
